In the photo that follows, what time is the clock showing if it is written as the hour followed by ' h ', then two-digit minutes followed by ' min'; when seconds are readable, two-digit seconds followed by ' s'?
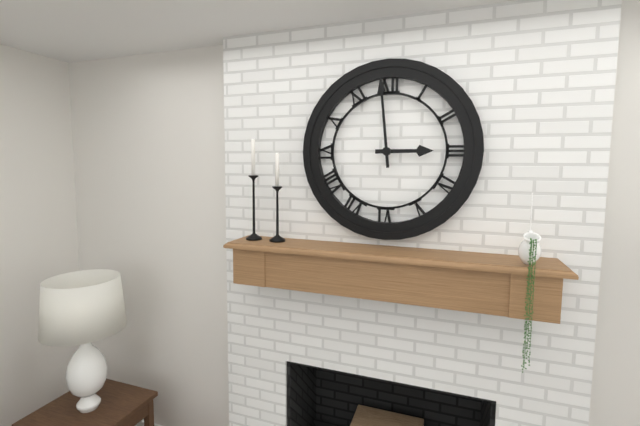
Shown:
2 h 59 min
